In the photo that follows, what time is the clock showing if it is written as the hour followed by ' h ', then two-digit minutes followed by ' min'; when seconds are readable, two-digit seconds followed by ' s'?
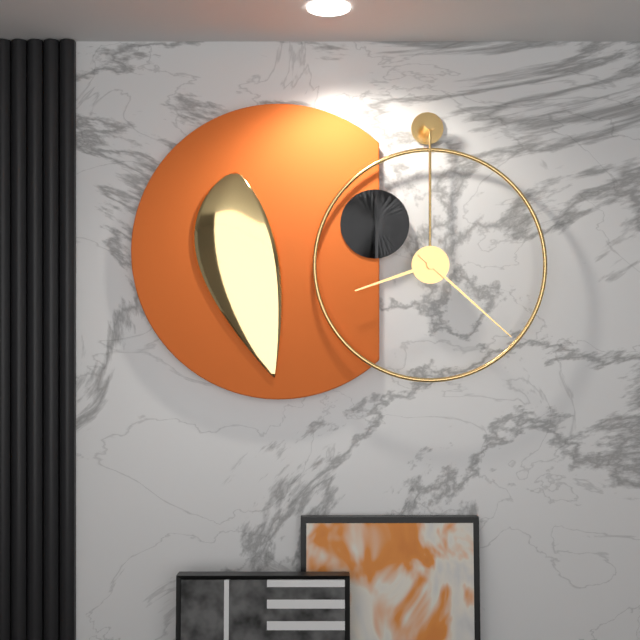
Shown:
8 h 22 min
